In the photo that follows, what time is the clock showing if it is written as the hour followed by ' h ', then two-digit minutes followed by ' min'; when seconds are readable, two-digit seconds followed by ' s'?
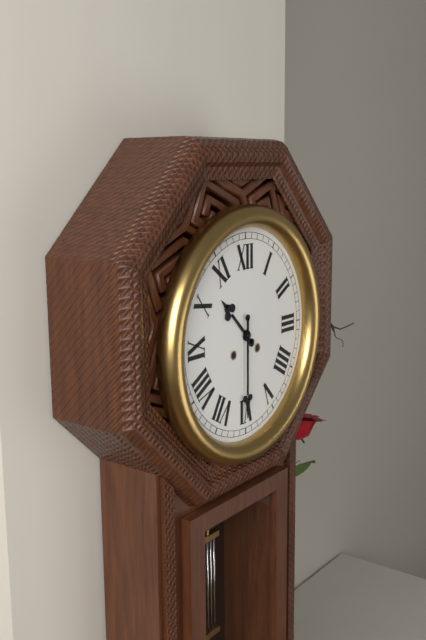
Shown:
10 h 30 min
